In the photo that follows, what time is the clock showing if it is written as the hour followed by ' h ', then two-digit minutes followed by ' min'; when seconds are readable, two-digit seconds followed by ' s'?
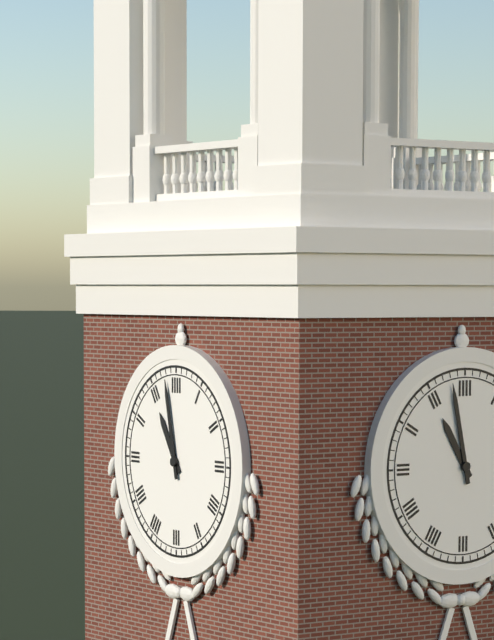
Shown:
10 h 58 min
